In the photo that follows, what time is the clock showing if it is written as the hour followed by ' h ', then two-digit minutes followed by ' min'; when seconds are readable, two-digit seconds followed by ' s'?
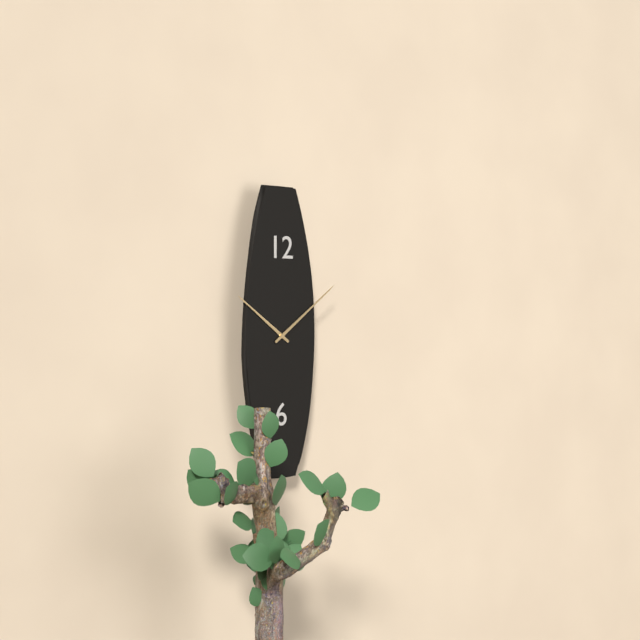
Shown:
10 h 09 min
